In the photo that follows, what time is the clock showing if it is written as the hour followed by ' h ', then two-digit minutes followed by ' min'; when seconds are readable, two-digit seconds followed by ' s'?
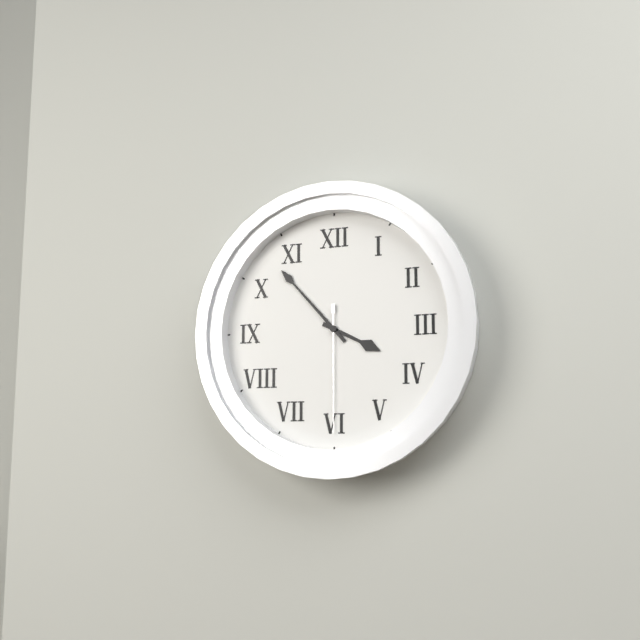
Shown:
3 h 53 min 30 s
